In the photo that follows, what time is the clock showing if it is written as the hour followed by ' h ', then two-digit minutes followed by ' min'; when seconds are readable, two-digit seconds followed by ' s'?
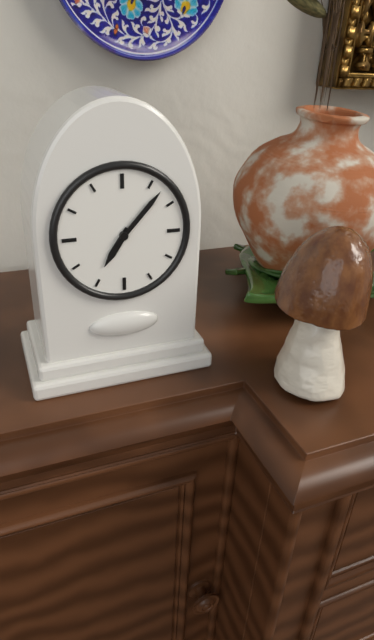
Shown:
7 h 07 min
